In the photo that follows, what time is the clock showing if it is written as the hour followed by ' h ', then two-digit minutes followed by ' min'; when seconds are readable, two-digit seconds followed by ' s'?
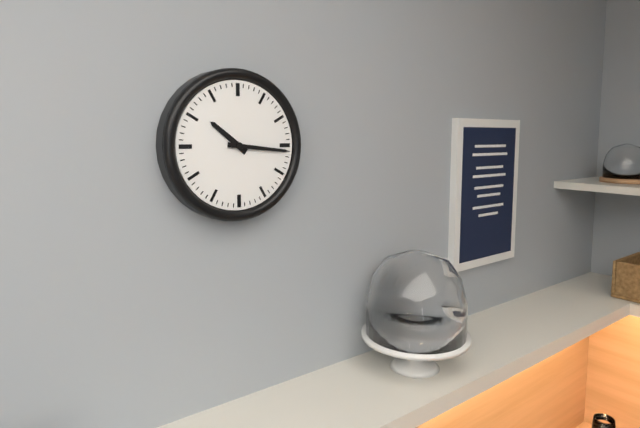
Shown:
10 h 16 min
